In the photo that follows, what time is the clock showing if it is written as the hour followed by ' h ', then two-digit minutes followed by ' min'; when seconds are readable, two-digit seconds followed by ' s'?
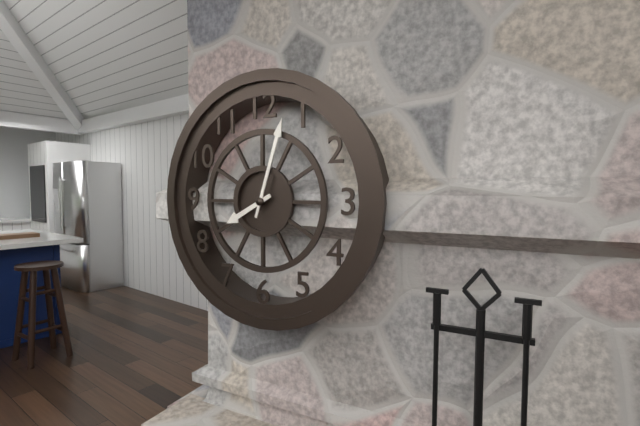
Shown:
8 h 03 min
